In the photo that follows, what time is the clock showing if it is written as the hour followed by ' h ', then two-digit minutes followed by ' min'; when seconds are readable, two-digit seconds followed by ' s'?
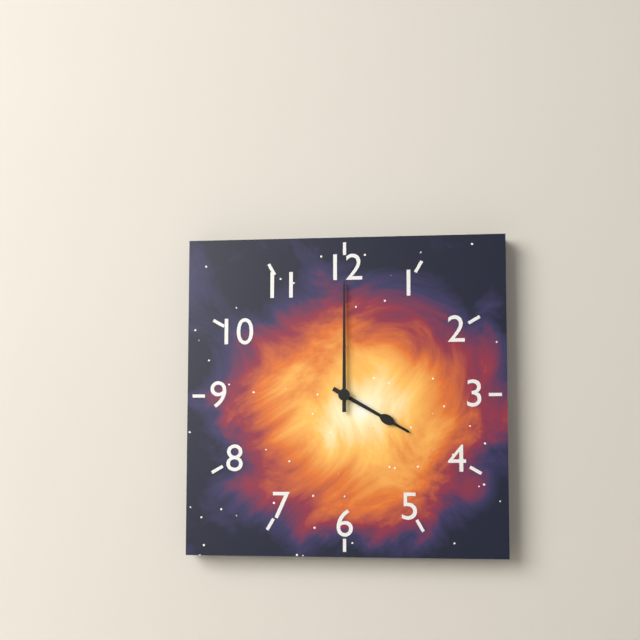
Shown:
4 h 00 min
